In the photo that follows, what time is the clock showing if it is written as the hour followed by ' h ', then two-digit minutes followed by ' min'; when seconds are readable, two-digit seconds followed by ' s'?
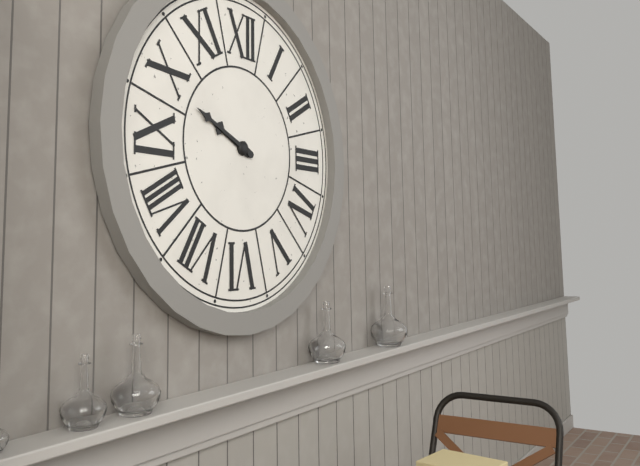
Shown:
9 h 49 min
